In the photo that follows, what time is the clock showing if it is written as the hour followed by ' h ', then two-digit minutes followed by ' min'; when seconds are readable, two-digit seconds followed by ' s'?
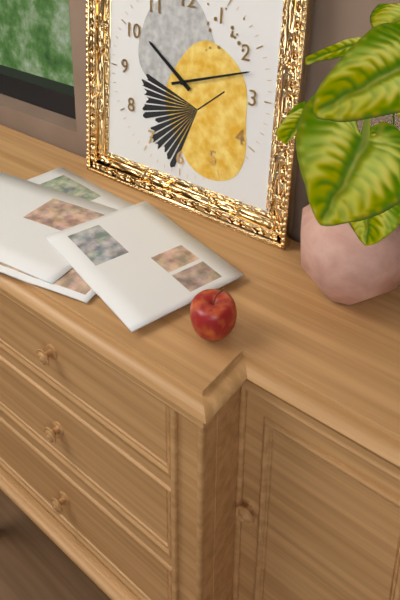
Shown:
10 h 12 min
